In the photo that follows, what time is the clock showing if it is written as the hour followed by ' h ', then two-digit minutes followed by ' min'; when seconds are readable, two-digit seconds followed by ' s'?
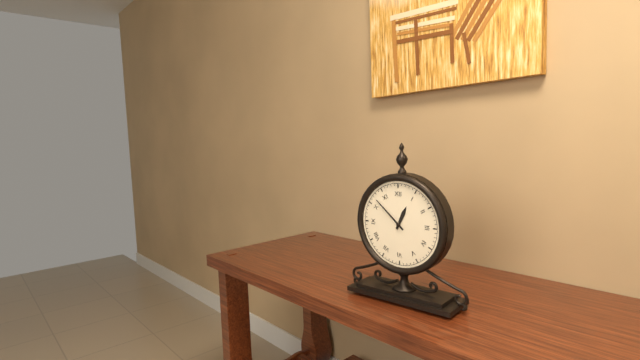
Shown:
12 h 52 min
